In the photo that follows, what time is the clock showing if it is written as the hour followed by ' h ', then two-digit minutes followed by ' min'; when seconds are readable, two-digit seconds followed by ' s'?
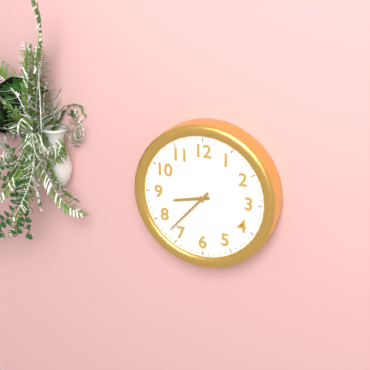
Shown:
8 h 37 min
